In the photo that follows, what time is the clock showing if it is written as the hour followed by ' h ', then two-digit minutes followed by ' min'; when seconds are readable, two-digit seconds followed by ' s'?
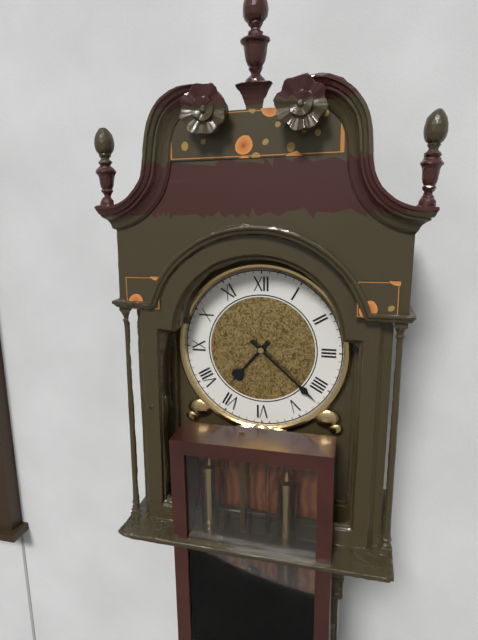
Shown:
7 h 22 min
